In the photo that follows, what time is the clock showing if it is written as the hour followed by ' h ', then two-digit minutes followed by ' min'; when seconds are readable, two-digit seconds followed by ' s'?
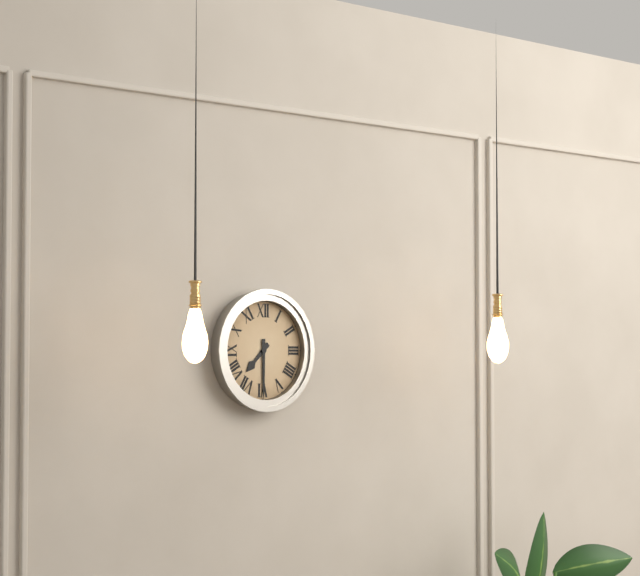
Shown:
7 h 30 min
